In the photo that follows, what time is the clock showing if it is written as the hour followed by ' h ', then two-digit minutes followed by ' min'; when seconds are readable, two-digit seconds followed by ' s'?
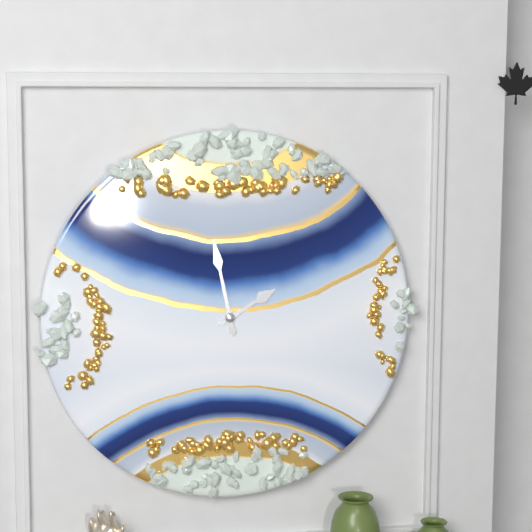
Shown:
1 h 58 min
